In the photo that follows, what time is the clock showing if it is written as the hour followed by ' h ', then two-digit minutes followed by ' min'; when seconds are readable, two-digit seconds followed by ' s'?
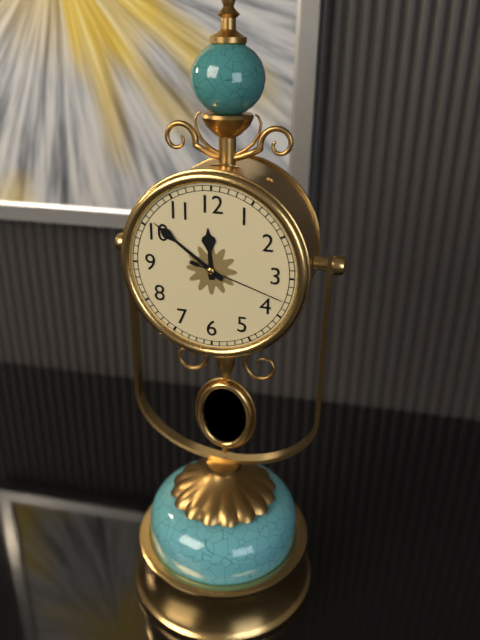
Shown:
11 h 51 min 18 s
